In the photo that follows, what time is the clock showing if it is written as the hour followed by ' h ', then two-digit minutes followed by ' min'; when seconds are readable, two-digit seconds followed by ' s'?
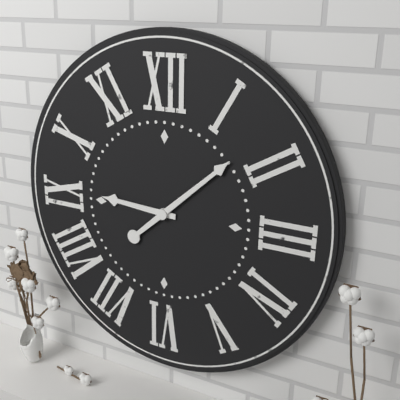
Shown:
9 h 08 min
